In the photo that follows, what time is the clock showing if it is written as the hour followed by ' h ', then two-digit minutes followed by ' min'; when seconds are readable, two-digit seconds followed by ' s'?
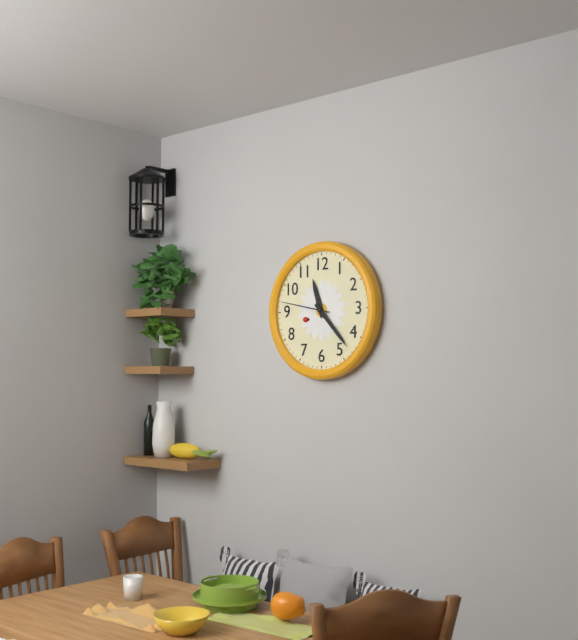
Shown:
11 h 23 min 47 s
